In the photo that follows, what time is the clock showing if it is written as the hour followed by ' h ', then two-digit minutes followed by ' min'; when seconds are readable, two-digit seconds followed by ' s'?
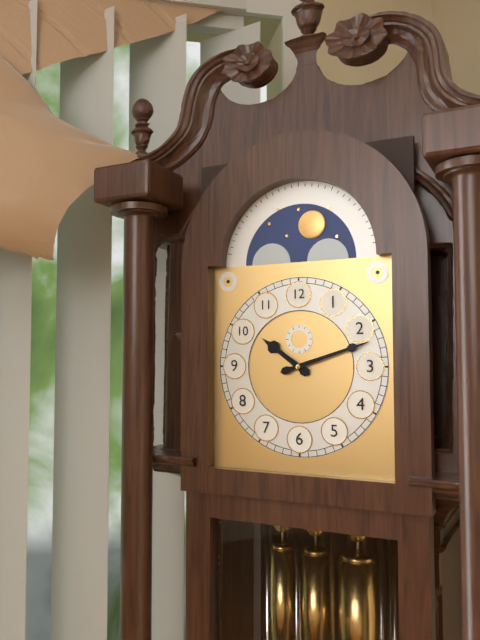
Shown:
10 h 12 min
